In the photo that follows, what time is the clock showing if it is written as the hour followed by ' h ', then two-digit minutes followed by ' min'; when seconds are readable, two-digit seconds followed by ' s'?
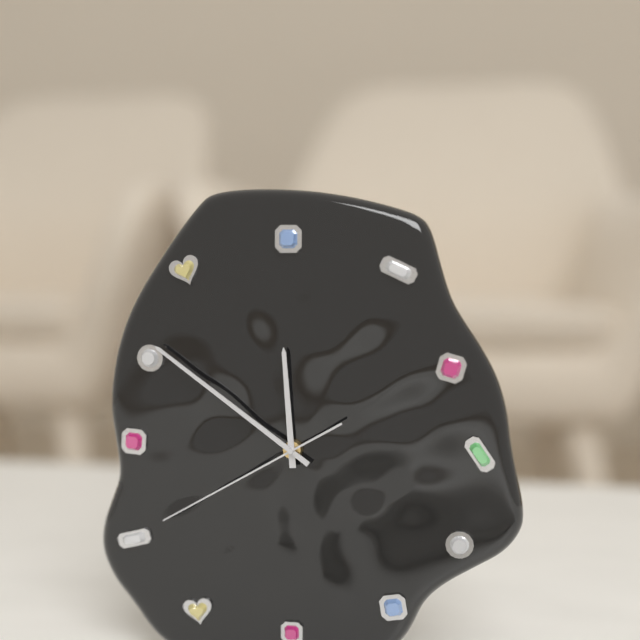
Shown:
11 h 51 min 40 s
